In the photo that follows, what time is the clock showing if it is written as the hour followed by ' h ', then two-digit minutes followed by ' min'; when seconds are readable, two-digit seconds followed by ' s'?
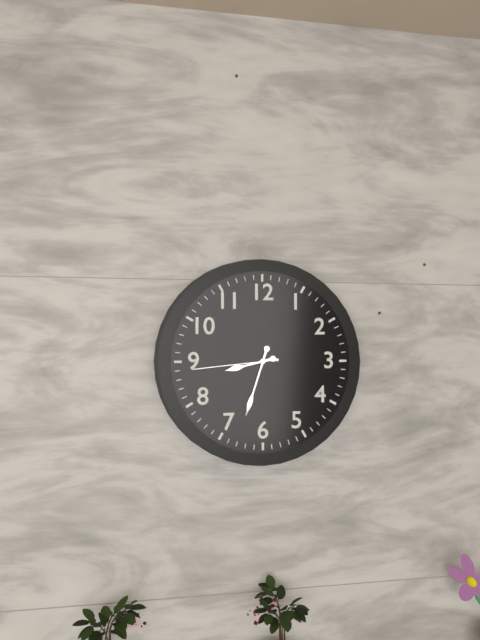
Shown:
8 h 33 min 44 s
